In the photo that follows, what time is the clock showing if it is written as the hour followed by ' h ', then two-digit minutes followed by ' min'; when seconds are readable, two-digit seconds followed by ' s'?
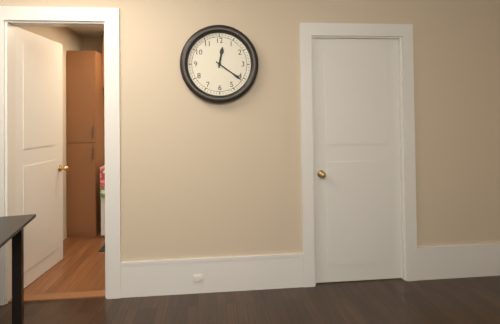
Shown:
12 h 21 min
